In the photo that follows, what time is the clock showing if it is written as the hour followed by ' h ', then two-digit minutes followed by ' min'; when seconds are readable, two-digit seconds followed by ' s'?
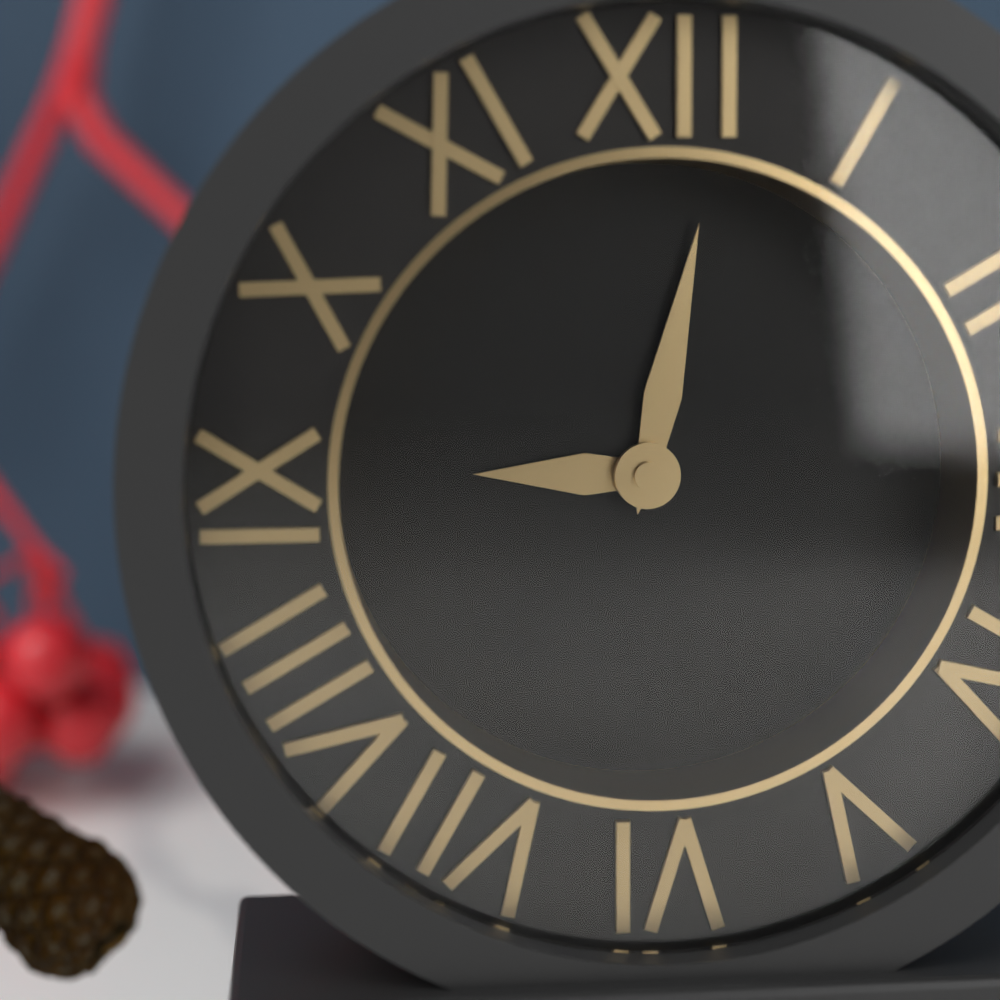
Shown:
9 h 02 min
